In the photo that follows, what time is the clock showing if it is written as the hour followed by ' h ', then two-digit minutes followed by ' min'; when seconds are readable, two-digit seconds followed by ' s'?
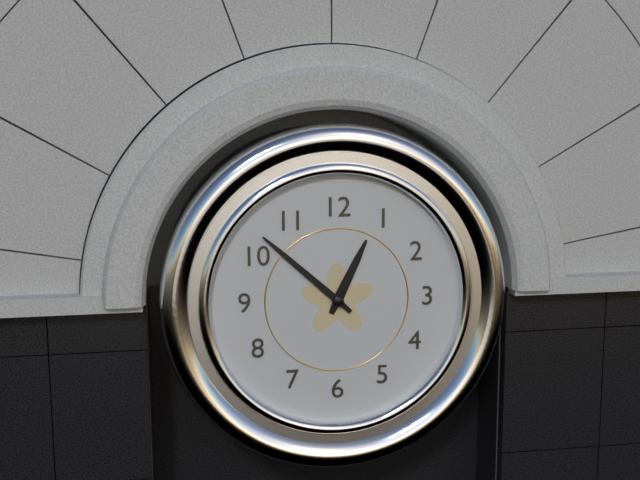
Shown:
12 h 52 min
